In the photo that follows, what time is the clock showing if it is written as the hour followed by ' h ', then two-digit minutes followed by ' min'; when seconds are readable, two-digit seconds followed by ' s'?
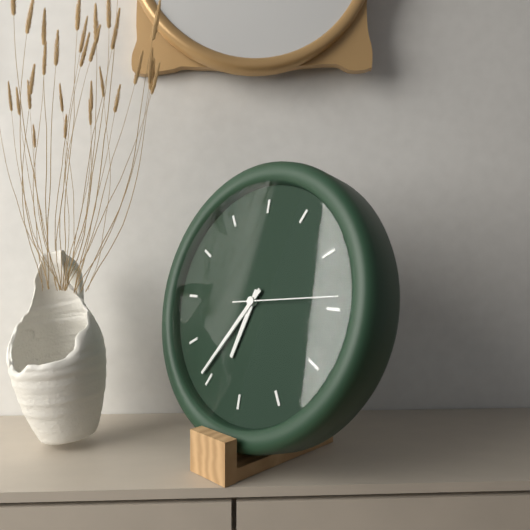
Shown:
6 h 36 min 14 s
